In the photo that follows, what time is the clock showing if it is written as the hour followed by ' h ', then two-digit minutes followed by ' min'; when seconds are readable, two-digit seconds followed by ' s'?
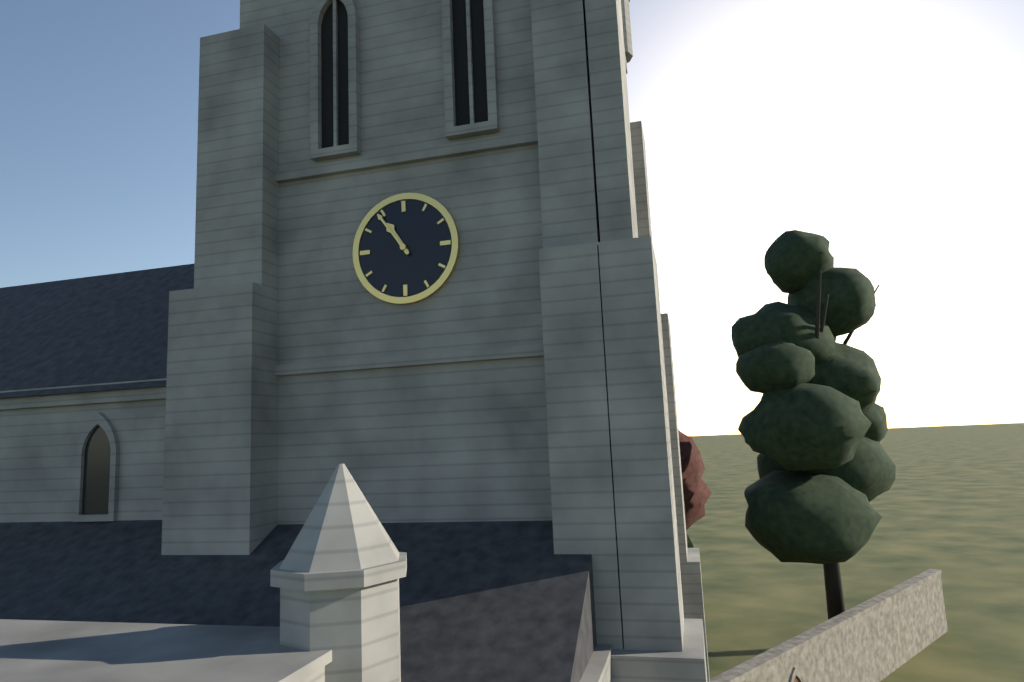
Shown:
10 h 54 min
